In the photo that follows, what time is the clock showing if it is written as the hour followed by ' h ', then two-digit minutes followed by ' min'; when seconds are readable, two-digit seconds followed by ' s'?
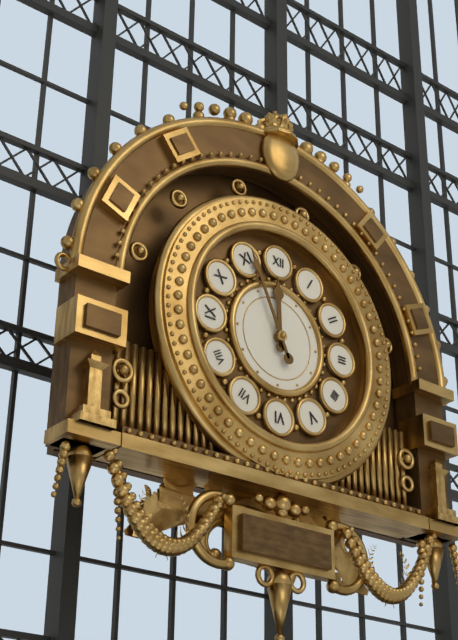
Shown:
11 h 56 min
